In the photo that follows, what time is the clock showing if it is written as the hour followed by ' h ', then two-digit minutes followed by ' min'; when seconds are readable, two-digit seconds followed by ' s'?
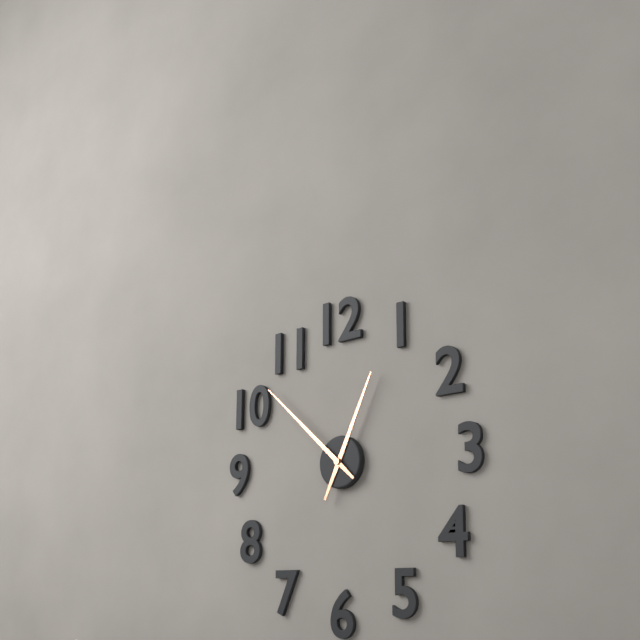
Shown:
12 h 52 min
